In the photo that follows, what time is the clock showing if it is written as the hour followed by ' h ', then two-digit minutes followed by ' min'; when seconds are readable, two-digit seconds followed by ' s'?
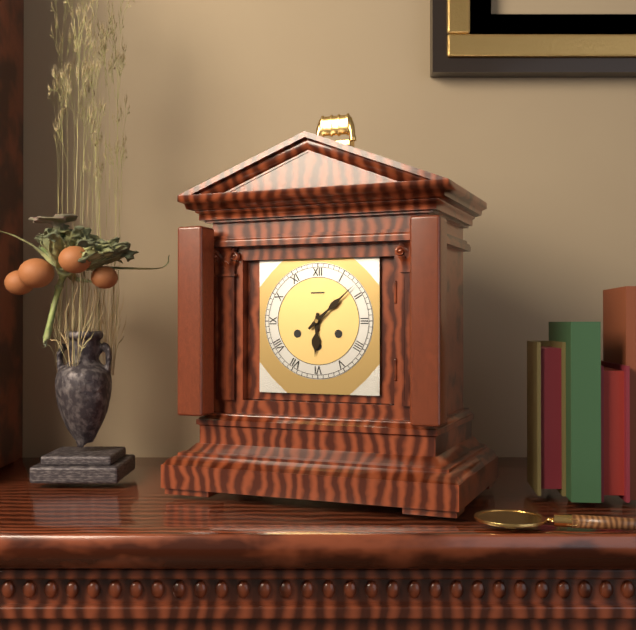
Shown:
6 h 08 min
